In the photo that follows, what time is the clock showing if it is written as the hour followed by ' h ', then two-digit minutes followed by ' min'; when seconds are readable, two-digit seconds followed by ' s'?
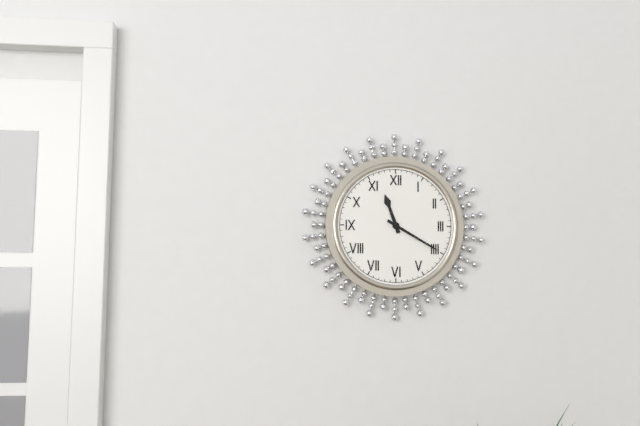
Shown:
11 h 20 min
